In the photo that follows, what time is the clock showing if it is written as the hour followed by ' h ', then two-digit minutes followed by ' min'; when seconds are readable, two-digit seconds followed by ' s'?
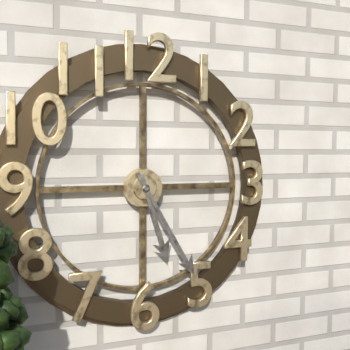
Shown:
5 h 25 min
